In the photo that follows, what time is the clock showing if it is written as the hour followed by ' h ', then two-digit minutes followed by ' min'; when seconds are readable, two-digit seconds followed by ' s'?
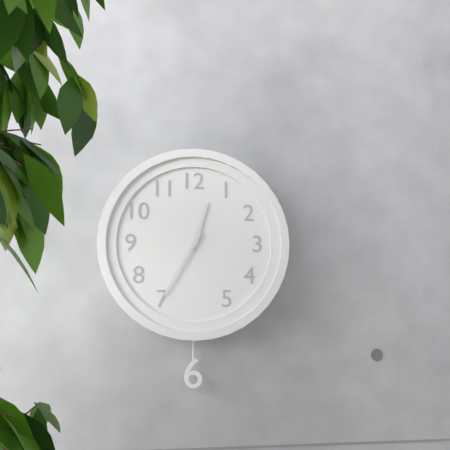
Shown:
12 h 35 min
